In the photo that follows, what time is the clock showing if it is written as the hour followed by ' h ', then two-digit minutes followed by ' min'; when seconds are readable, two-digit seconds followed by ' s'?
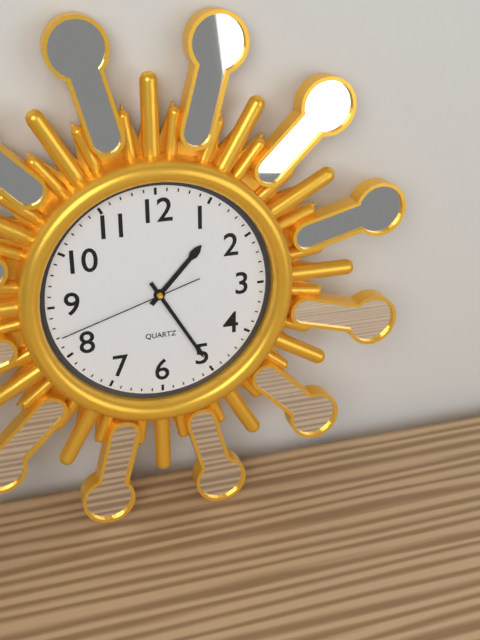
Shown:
1 h 25 min 42 s
